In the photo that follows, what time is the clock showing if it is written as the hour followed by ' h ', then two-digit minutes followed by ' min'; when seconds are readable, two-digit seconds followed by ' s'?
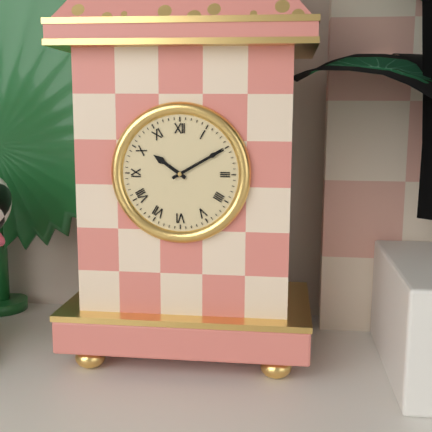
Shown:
10 h 10 min
